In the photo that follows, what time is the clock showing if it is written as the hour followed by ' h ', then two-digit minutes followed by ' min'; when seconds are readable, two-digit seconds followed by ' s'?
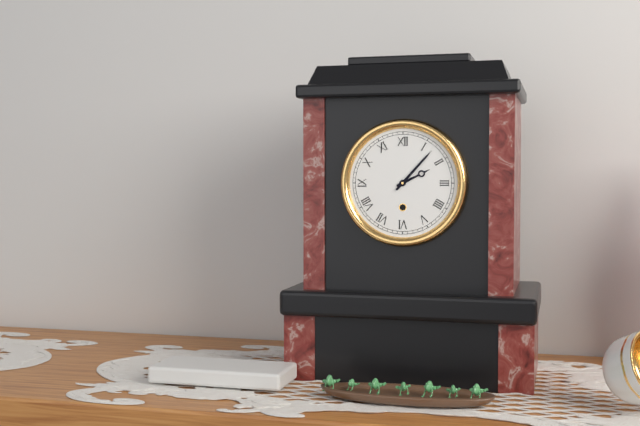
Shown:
2 h 07 min
